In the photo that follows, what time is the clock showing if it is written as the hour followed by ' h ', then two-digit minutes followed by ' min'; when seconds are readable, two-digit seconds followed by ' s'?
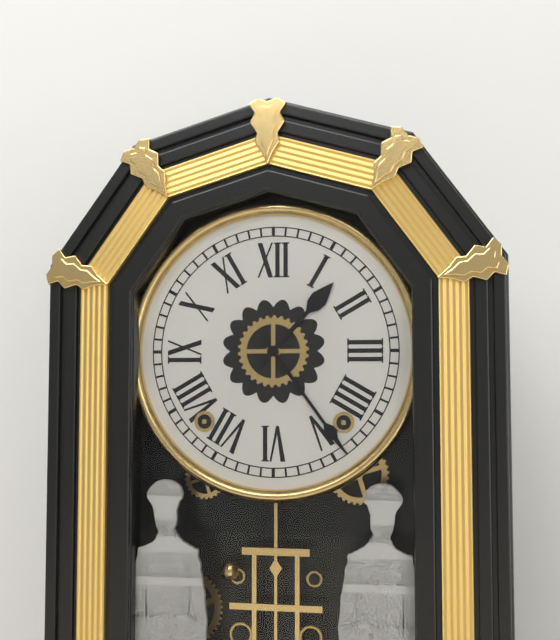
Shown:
1 h 24 min
